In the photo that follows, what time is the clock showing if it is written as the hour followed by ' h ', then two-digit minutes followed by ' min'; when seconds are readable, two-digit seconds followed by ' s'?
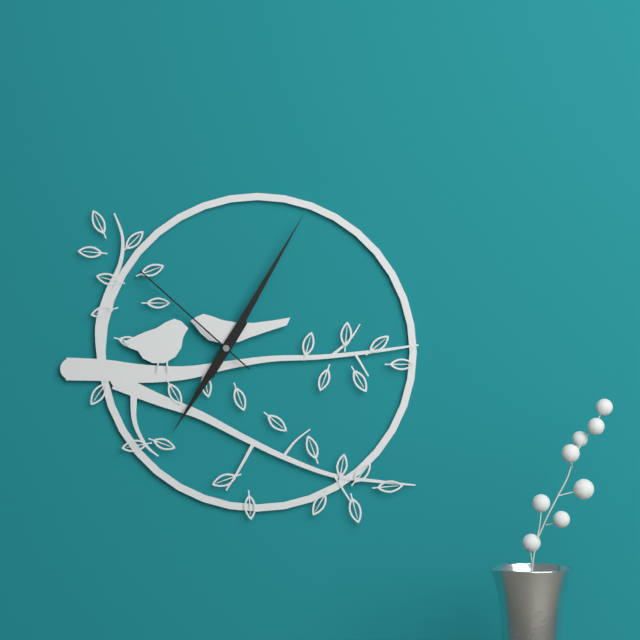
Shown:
7 h 05 min 52 s
